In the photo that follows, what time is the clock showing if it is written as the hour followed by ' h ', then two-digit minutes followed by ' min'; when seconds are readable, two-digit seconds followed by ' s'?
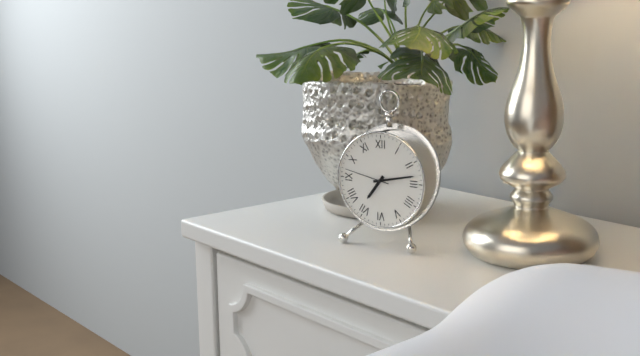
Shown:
7 h 13 min
